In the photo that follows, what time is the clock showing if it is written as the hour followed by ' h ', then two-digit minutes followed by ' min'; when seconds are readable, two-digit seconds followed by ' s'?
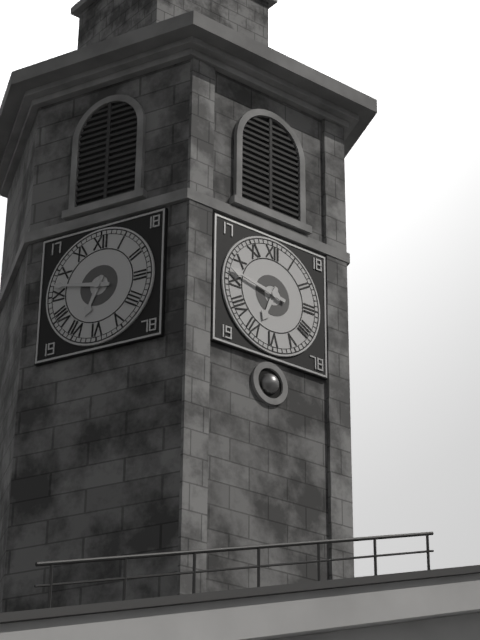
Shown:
6 h 47 min
